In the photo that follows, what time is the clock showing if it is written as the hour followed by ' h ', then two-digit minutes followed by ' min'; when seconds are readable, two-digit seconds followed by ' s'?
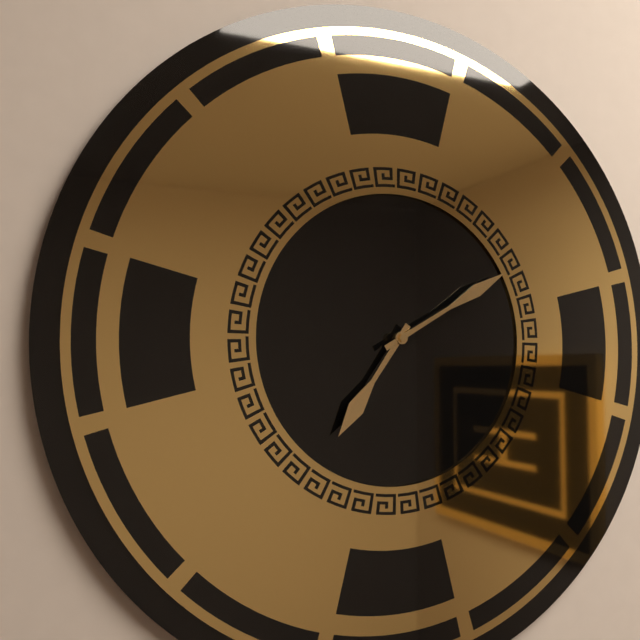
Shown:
7 h 10 min
